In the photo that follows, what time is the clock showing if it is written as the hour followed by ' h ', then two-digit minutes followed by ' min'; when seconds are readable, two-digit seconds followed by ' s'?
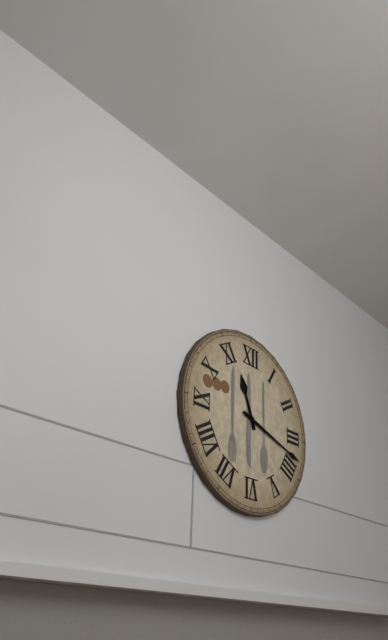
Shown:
11 h 18 min
